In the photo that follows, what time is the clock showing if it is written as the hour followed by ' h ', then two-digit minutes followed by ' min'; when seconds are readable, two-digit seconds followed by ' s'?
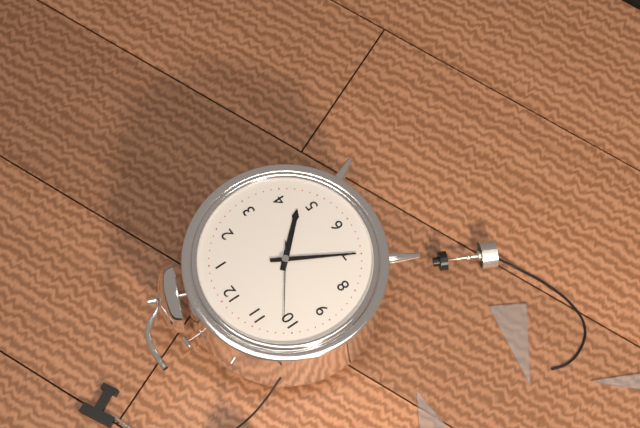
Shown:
4 h 35 min 51 s
